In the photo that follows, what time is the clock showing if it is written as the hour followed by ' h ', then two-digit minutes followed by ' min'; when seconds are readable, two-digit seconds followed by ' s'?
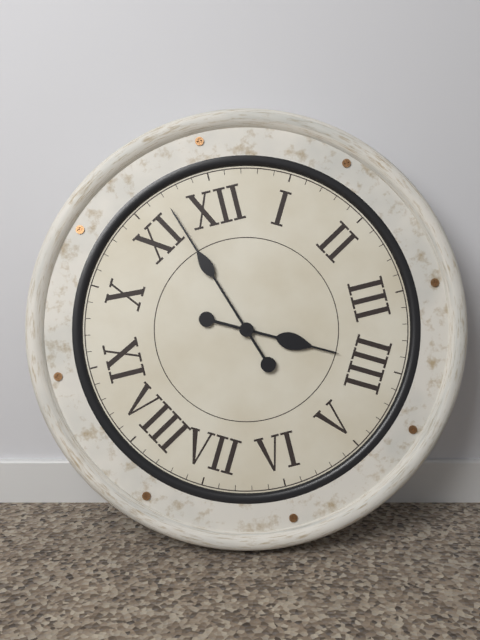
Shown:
3 h 57 min
